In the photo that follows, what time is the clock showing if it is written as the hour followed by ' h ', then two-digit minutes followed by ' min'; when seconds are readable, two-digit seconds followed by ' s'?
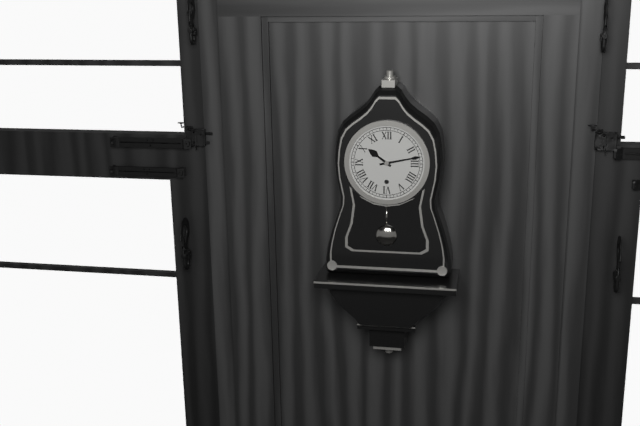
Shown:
10 h 13 min
